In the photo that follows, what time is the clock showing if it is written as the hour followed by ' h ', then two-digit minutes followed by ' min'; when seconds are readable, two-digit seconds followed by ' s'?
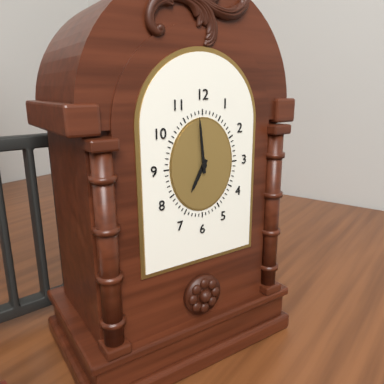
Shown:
6 h 59 min
